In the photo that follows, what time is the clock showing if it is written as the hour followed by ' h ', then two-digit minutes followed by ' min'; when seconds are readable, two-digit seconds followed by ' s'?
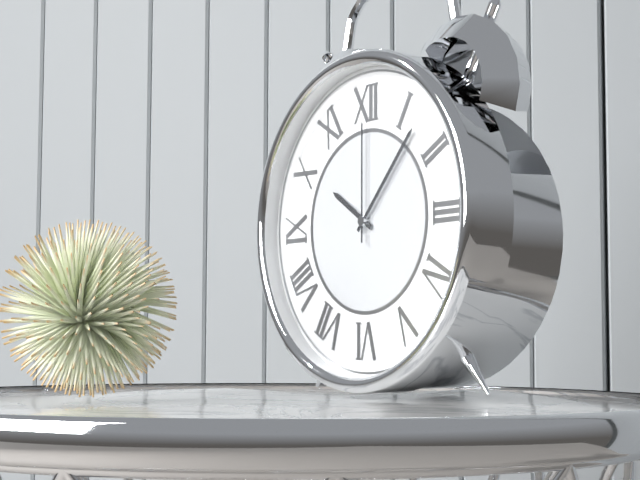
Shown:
10 h 07 min 00 s
